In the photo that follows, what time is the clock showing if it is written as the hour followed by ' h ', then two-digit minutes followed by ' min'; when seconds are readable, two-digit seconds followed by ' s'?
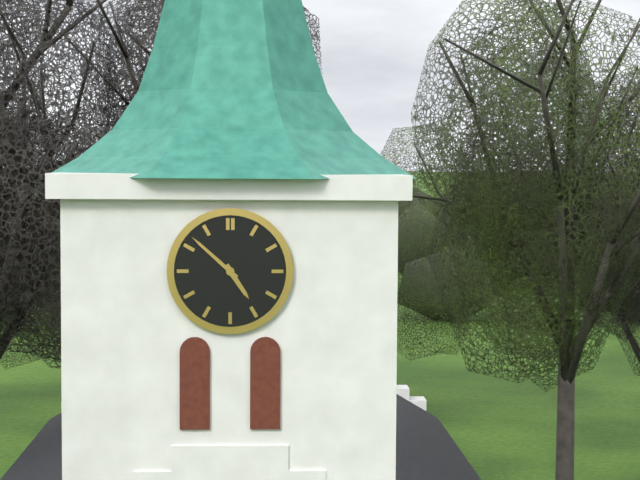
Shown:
4 h 52 min
